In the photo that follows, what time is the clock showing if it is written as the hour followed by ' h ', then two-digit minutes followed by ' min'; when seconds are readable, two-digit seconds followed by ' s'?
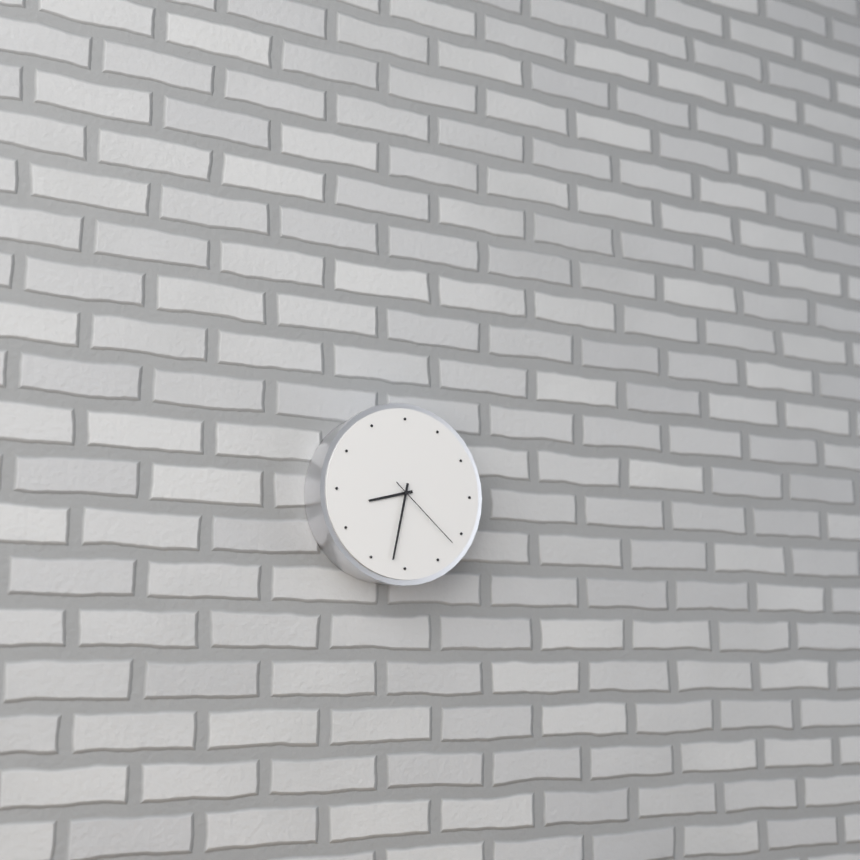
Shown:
8 h 32 min 22 s
